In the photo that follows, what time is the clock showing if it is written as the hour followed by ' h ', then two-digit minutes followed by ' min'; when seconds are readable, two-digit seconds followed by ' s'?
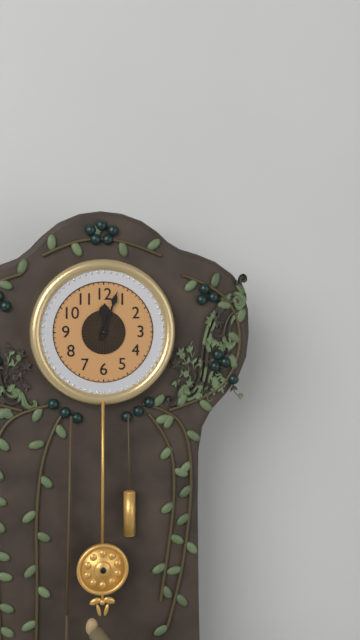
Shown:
12 h 03 min
